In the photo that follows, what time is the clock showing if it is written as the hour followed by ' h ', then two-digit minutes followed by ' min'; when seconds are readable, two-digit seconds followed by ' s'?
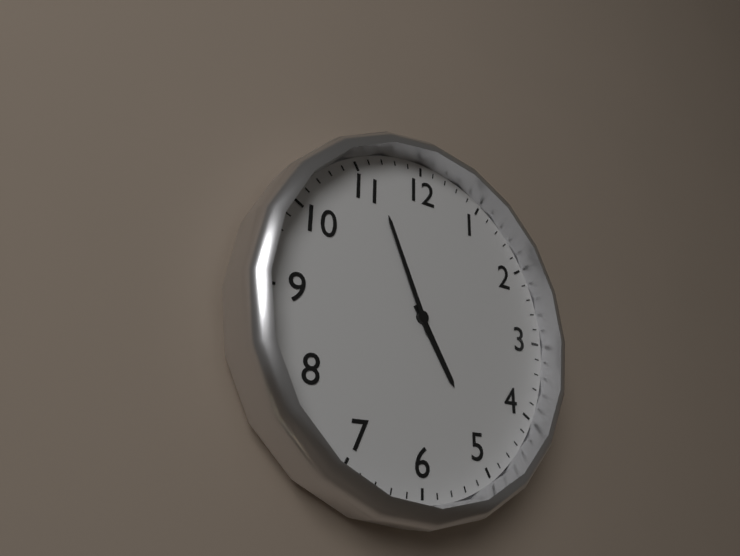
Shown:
4 h 56 min
